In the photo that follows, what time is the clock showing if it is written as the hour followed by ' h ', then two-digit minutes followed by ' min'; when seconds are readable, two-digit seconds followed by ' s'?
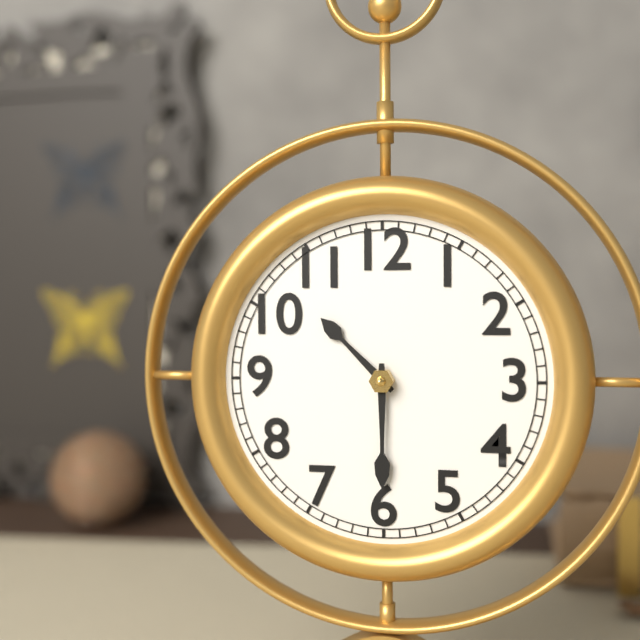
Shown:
10 h 30 min
